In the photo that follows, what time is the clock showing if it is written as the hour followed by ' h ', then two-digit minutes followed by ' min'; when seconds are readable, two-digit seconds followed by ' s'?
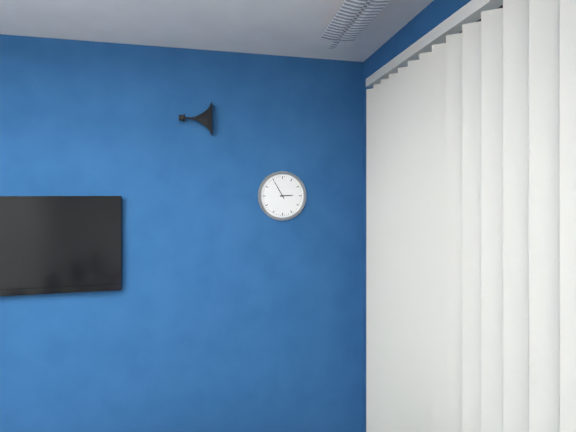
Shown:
2 h 55 min
